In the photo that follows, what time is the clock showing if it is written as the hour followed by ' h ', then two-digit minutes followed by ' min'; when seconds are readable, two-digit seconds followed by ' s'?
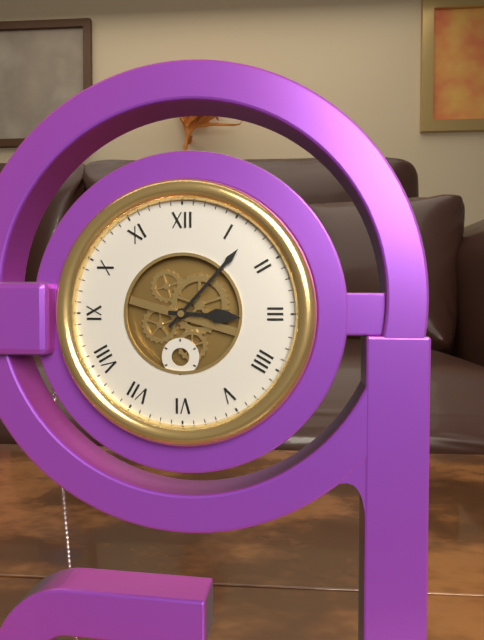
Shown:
3 h 07 min
